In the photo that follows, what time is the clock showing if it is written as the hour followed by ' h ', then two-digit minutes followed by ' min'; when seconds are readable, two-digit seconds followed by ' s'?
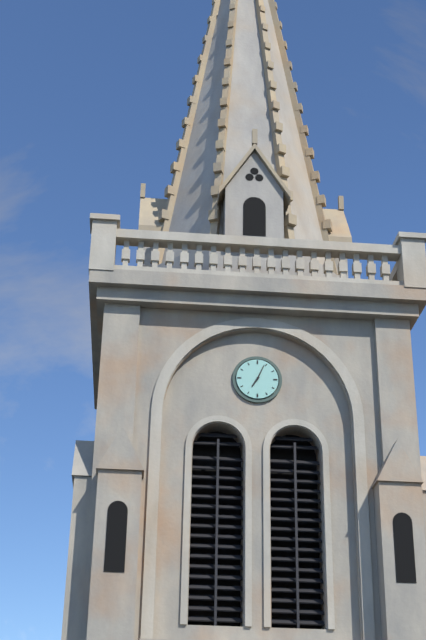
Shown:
7 h 04 min
